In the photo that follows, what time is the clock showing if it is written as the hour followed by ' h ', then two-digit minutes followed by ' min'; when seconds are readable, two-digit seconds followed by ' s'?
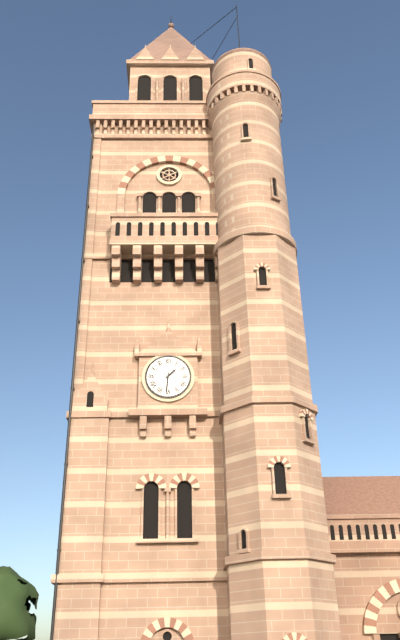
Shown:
1 h 31 min
